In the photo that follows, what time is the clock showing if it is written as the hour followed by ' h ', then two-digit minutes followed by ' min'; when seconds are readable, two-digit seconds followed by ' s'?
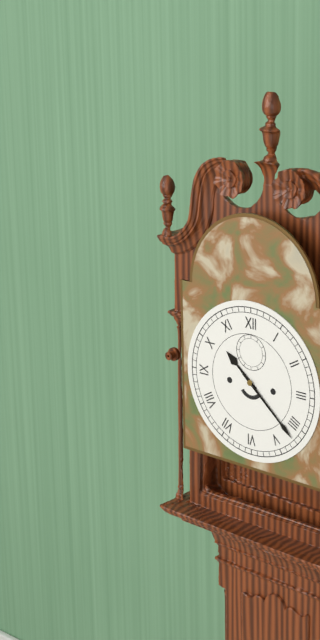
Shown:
10 h 22 min
